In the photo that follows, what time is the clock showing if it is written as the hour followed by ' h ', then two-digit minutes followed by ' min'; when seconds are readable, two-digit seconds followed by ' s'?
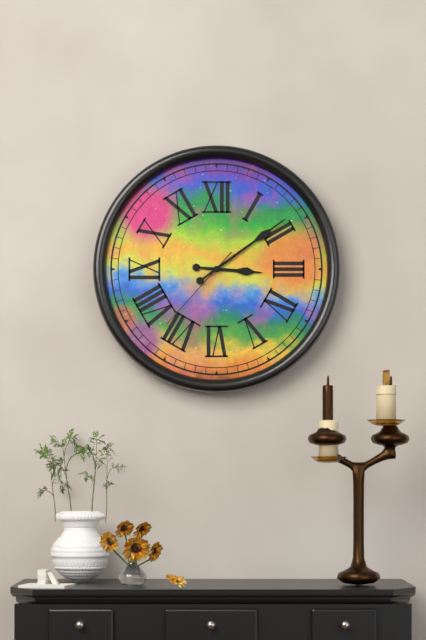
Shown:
3 h 09 min 37 s
